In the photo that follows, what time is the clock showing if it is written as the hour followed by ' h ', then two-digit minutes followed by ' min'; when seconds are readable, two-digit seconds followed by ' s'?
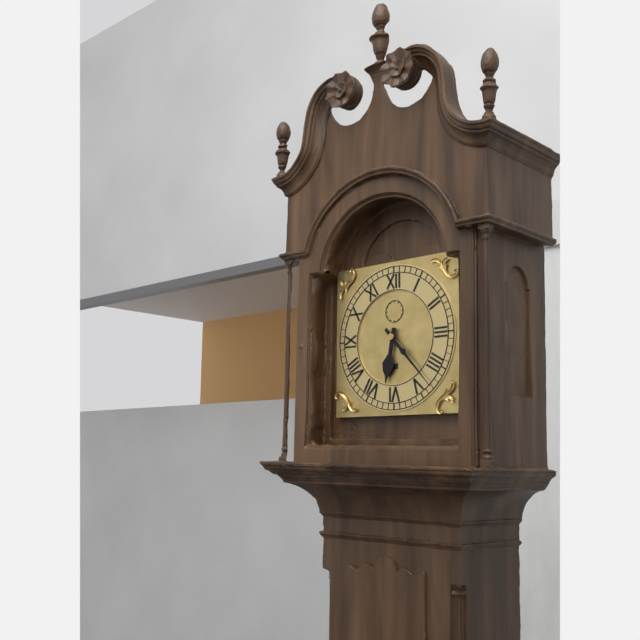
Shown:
6 h 23 min
